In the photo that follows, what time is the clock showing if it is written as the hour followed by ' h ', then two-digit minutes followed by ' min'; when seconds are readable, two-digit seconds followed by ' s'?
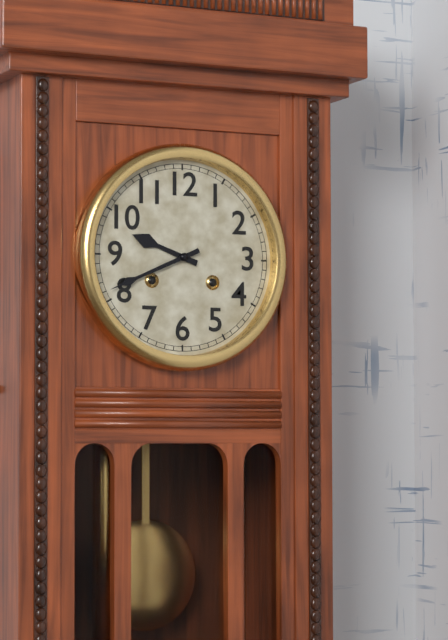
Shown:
9 h 41 min
